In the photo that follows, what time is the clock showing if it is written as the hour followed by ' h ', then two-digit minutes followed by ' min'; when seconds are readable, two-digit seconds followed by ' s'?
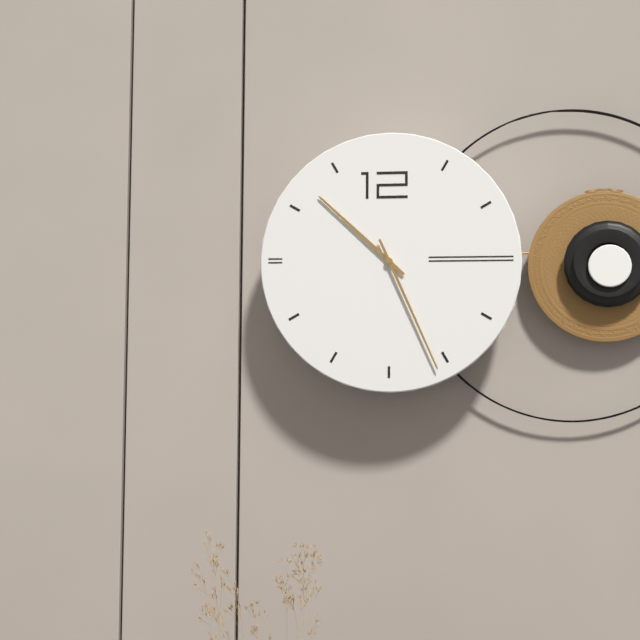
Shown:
10 h 26 min
